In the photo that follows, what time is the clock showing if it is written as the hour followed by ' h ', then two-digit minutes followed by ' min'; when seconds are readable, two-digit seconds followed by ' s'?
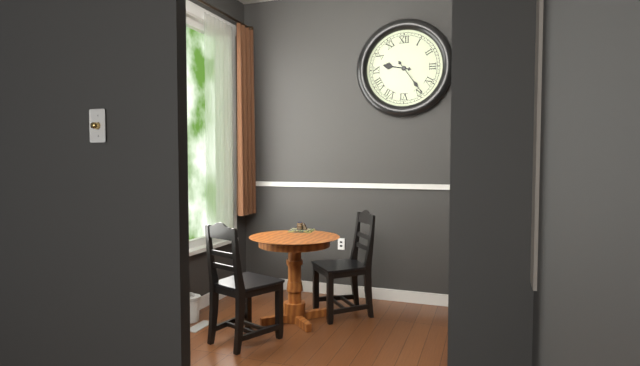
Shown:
9 h 24 min
